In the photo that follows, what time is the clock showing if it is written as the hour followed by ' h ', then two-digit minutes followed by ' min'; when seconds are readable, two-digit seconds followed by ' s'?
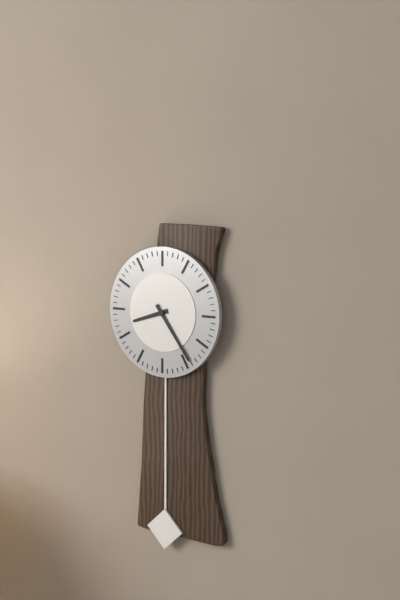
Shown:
8 h 24 min
